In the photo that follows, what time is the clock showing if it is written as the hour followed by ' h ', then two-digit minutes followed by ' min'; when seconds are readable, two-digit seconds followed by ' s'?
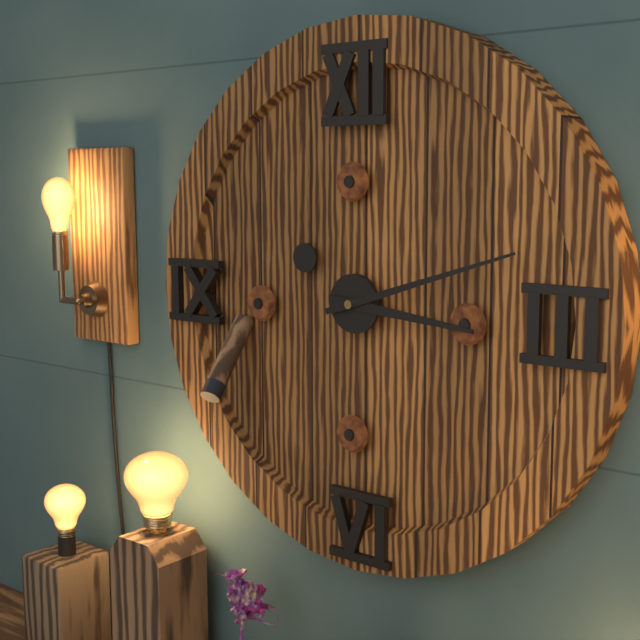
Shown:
3 h 12 min
